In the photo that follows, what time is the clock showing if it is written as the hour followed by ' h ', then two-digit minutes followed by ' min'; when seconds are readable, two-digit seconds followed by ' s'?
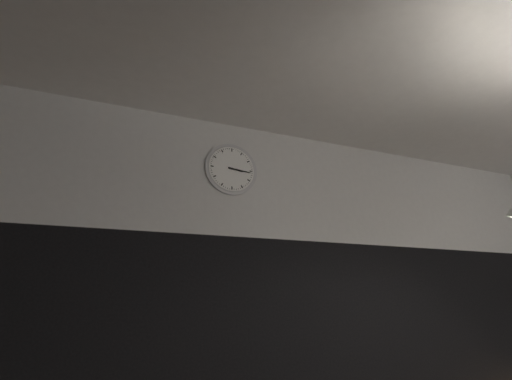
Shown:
3 h 16 min
